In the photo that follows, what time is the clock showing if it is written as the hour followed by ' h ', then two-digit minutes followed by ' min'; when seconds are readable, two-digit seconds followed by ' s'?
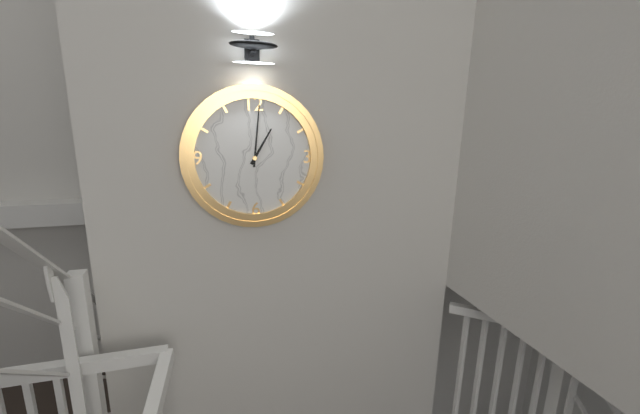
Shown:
1 h 01 min
